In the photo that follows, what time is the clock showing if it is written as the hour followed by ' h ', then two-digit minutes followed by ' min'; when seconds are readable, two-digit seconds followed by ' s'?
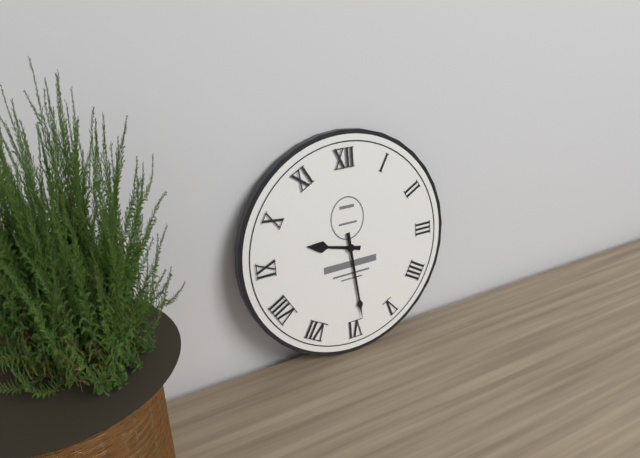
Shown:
9 h 29 min
